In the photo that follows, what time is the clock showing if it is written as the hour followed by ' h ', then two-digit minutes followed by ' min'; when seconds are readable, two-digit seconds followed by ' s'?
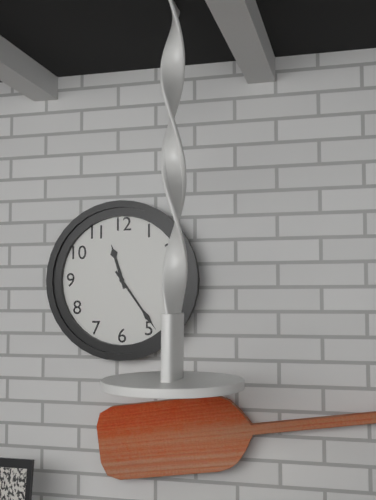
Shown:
11 h 24 min
